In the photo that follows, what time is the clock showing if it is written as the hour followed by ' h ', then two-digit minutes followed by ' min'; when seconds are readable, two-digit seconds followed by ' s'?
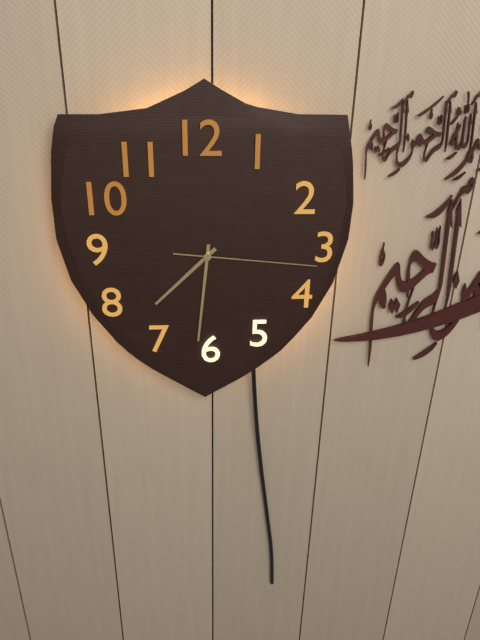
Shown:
7 h 31 min 16 s
